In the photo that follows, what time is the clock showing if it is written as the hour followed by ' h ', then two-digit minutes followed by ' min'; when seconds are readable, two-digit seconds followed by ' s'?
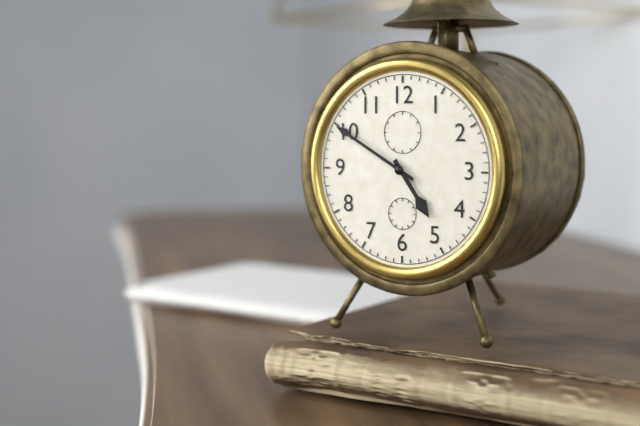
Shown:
4 h 50 min
